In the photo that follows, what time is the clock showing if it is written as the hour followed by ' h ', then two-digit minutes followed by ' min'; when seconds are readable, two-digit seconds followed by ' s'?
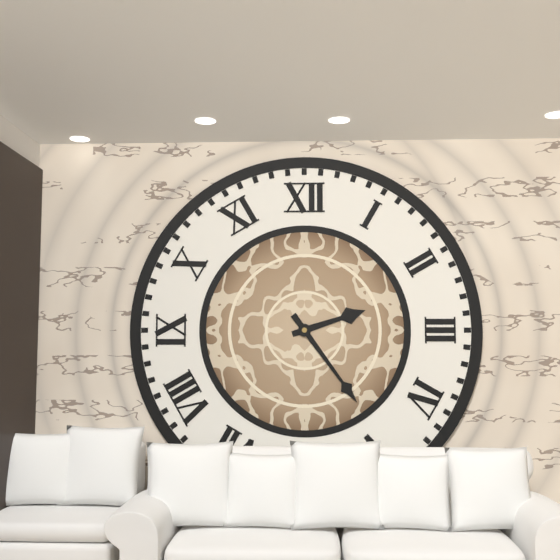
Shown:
2 h 24 min
